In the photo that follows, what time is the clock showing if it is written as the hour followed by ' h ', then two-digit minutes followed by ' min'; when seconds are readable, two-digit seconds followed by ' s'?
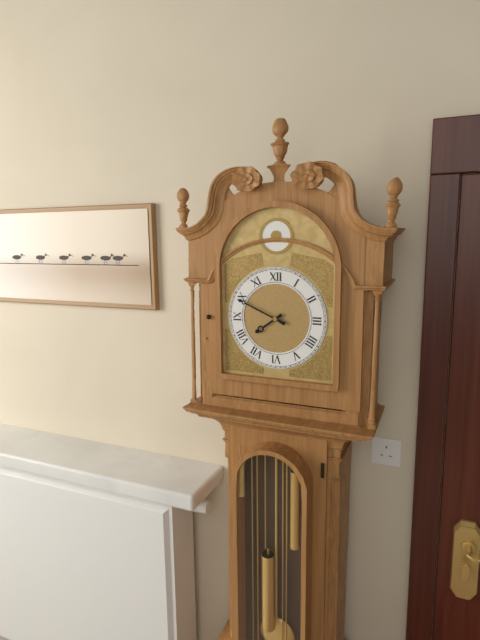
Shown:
7 h 49 min
